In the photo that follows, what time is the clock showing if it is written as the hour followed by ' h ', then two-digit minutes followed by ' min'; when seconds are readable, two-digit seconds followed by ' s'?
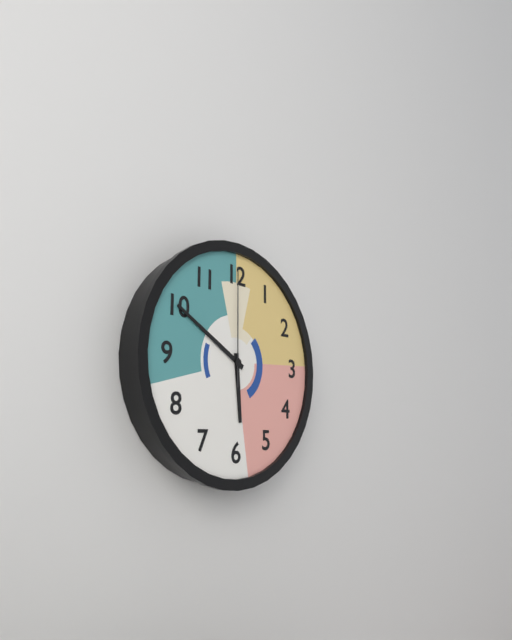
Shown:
5 h 50 min 00 s
